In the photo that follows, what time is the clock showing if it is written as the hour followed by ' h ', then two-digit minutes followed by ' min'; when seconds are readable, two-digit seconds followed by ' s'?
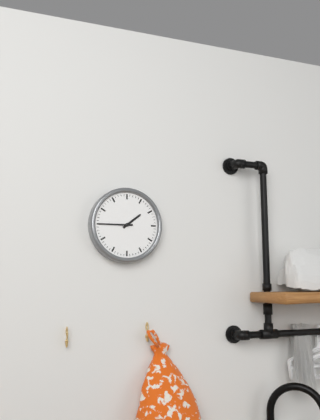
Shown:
1 h 45 min
